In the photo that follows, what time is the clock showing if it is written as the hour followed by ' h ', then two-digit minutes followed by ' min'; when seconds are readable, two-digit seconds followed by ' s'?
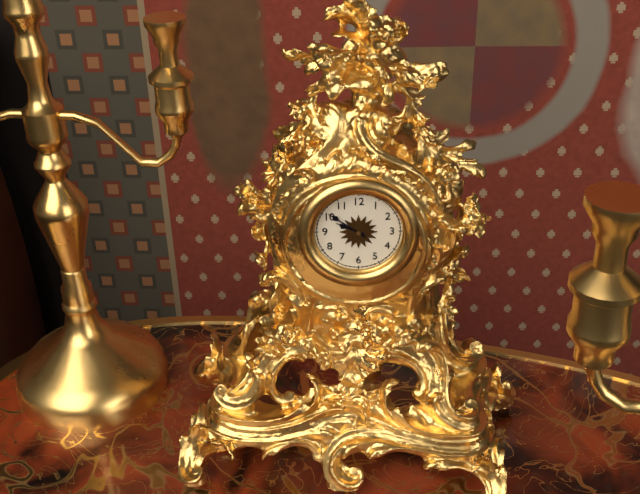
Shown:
9 h 51 min
